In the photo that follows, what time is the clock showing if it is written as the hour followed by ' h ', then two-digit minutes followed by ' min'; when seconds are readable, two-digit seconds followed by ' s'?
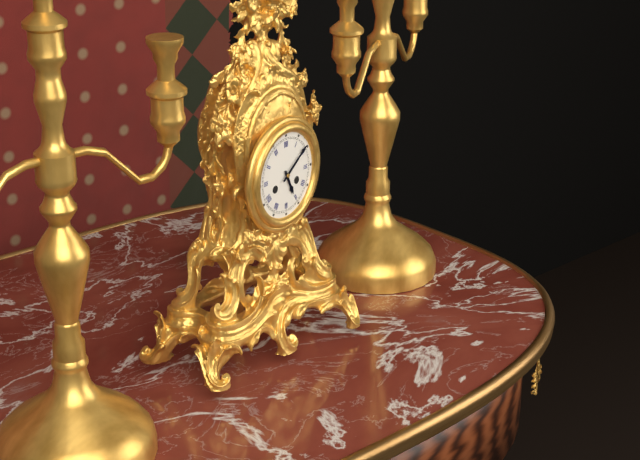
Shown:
5 h 09 min
